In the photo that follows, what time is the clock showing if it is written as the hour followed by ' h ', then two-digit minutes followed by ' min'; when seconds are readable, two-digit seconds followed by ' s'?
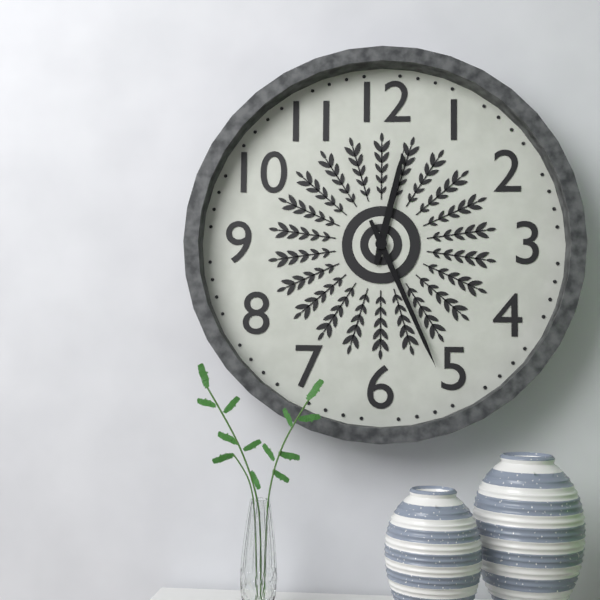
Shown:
12 h 26 min
